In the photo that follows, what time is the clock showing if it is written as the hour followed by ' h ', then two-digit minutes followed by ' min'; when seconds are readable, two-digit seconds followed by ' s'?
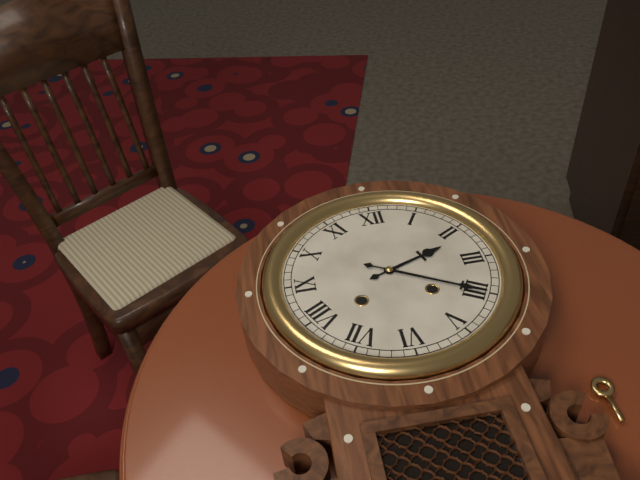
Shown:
2 h 20 min
